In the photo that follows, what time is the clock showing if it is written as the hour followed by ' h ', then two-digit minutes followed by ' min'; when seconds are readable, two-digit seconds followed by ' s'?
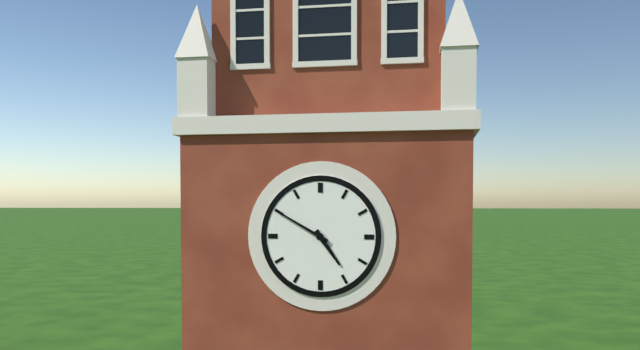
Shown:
4 h 50 min
